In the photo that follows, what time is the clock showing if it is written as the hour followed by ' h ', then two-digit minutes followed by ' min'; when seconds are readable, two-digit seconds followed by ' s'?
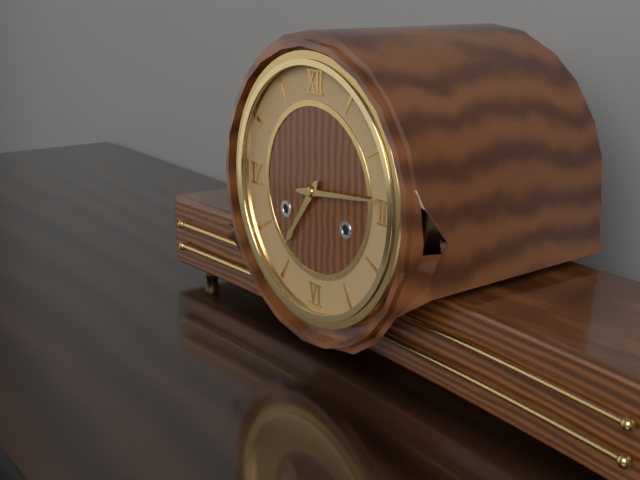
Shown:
7 h 14 min
